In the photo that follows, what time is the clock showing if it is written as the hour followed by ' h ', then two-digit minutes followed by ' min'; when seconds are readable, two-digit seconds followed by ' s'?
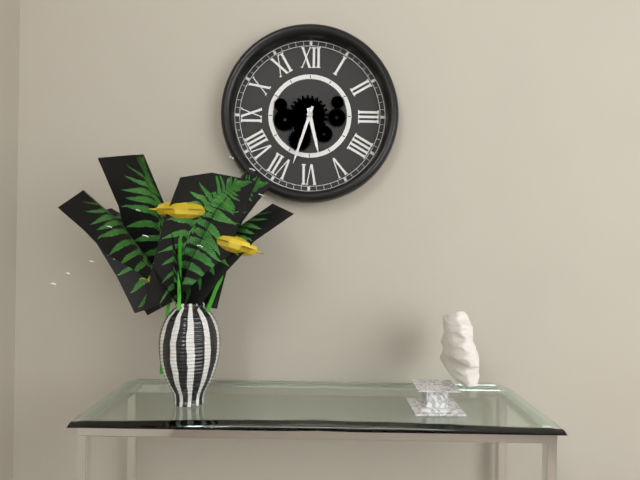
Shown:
5 h 33 min
